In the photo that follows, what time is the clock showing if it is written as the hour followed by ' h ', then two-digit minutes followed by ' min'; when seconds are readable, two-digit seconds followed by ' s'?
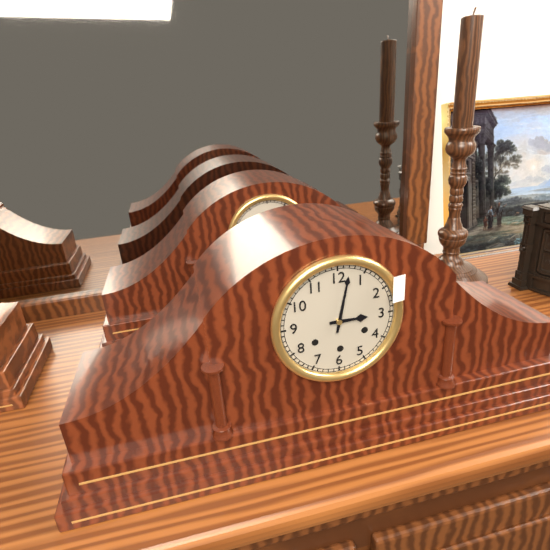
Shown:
3 h 02 min
